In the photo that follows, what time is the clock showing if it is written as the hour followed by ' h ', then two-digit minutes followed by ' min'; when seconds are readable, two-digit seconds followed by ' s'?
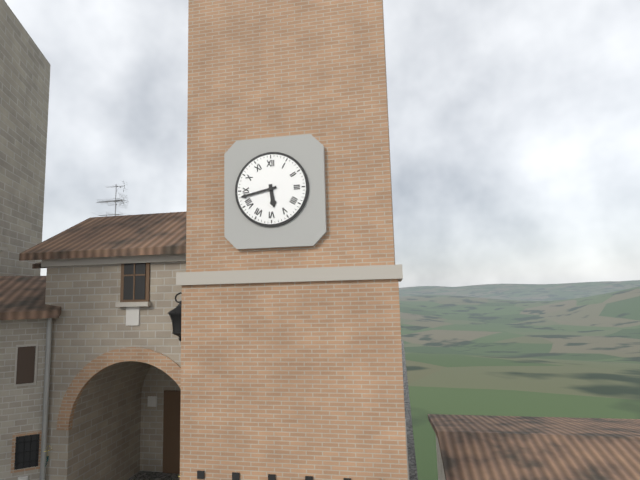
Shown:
5 h 43 min
